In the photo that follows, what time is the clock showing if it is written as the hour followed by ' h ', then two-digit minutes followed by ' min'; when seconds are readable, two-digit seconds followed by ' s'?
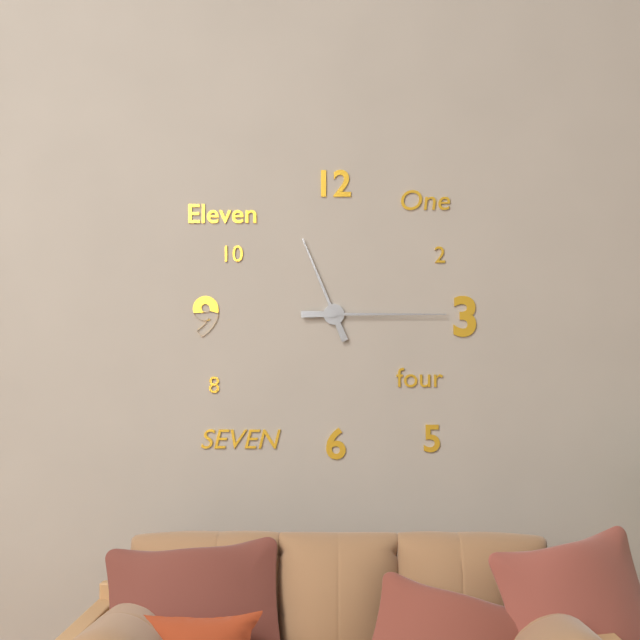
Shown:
11 h 15 min
